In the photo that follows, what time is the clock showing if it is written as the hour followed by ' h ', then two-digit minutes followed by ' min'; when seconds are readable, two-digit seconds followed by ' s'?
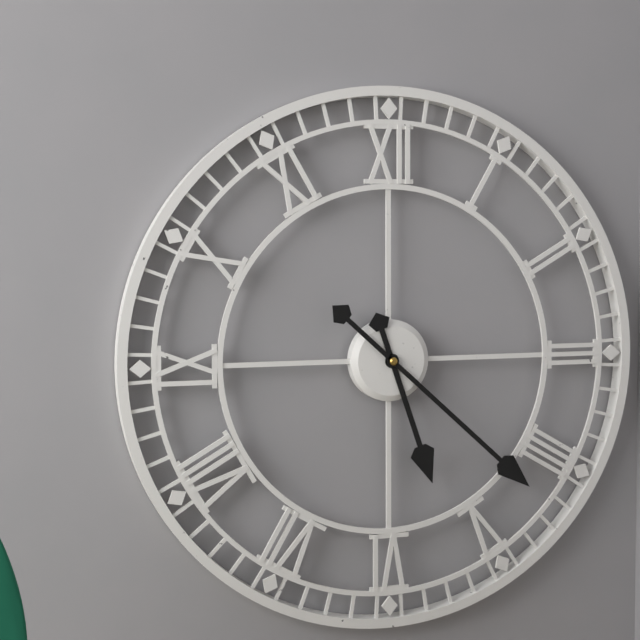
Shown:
5 h 22 min
